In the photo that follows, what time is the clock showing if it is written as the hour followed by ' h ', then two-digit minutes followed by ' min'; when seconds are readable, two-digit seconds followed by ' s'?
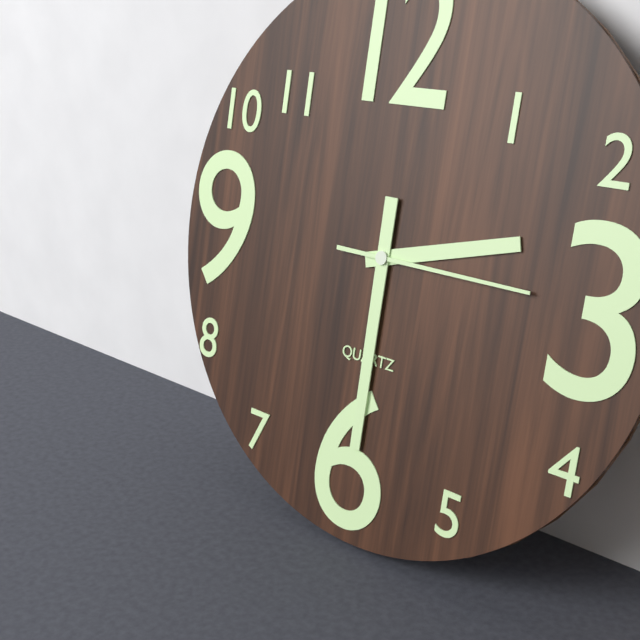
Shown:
2 h 30 min 15 s
